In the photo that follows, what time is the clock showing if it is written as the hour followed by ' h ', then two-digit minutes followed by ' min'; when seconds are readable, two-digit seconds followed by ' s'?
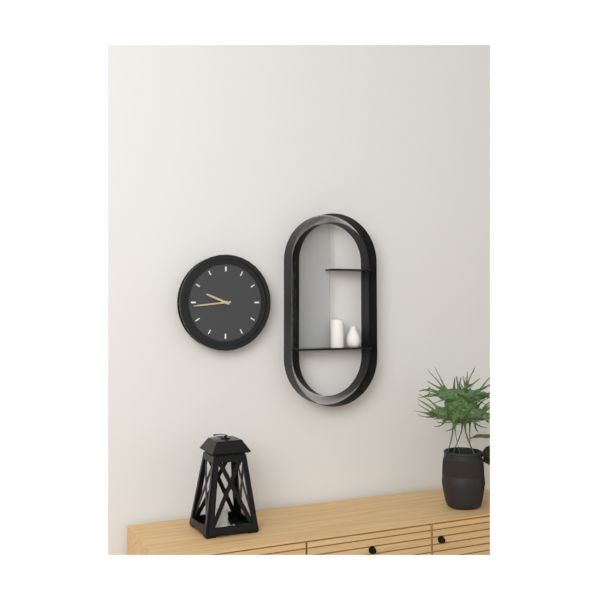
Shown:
9 h 44 min
